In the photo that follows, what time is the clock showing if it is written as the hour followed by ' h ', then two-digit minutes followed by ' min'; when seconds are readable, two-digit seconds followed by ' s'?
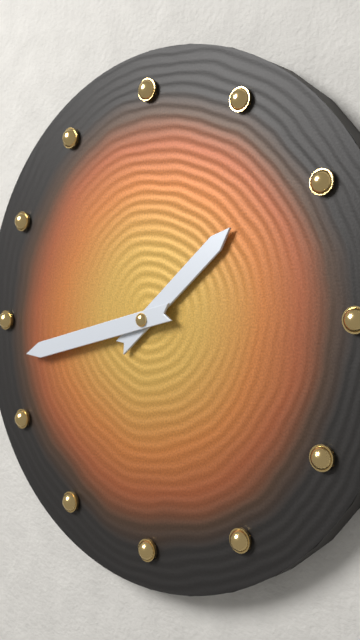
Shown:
1 h 43 min
